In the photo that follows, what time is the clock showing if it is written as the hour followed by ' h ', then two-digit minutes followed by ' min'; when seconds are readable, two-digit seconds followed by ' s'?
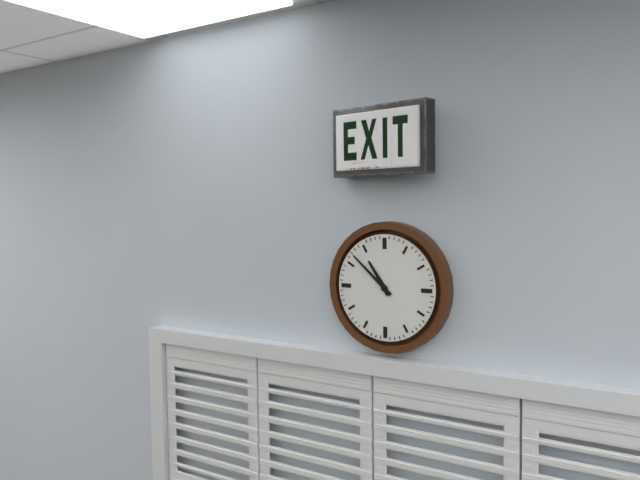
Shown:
10 h 52 min
